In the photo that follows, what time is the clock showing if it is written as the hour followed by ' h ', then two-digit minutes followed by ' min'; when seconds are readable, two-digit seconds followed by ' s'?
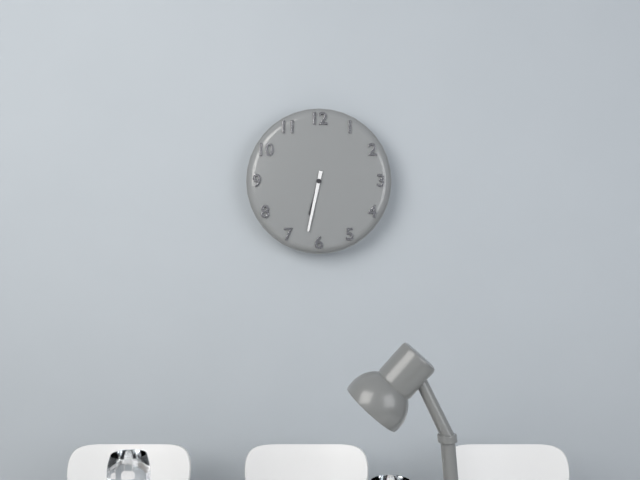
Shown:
6 h 32 min
